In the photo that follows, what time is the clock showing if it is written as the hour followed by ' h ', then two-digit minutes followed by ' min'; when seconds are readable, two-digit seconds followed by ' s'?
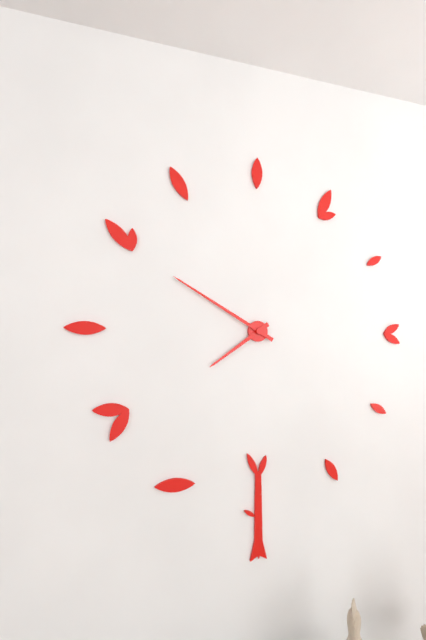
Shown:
7 h 50 min
